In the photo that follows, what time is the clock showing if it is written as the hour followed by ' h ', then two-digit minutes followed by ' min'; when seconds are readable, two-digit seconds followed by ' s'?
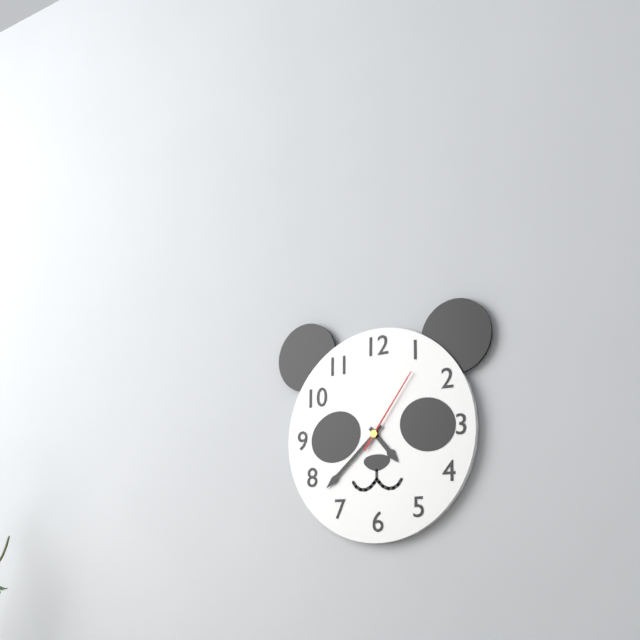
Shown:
4 h 38 min 06 s
